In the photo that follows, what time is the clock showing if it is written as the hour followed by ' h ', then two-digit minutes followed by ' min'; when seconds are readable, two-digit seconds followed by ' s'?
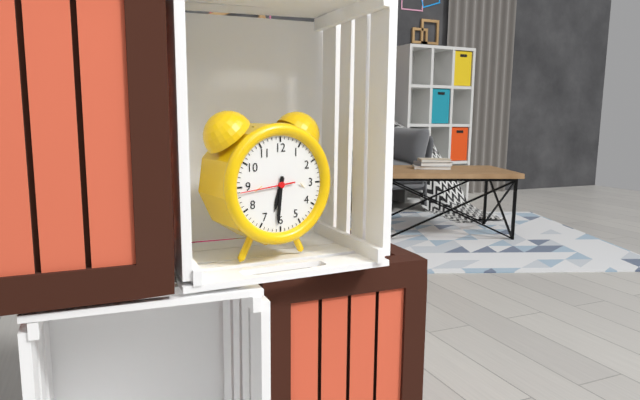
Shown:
6 h 31 min 44 s
